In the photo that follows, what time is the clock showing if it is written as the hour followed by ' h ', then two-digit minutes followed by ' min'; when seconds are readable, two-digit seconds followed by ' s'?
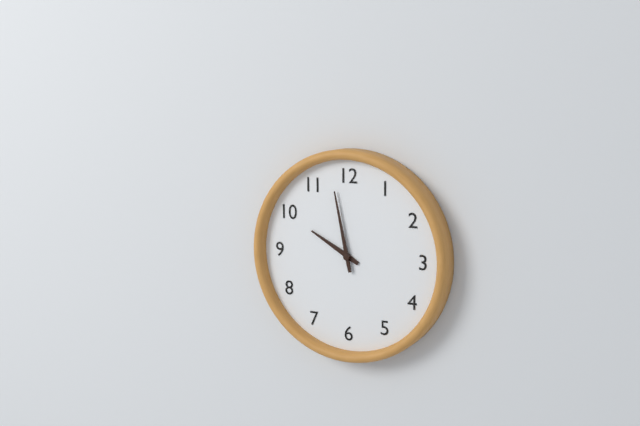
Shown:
9 h 58 min
